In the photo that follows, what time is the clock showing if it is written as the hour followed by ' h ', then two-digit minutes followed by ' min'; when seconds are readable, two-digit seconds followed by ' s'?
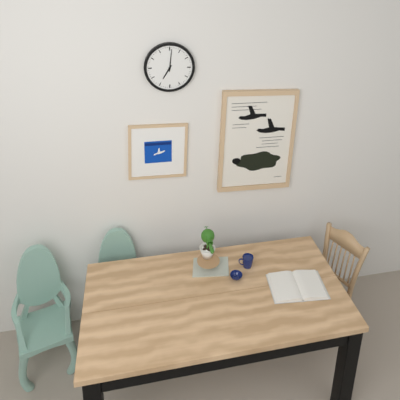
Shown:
7 h 01 min
